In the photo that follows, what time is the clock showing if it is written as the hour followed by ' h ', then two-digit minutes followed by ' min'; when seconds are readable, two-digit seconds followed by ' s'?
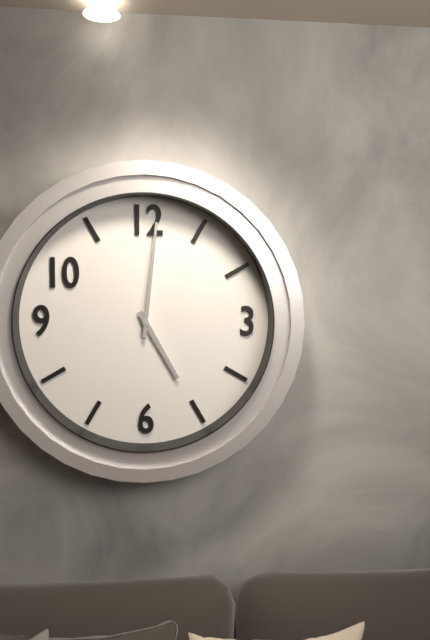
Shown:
5 h 01 min
